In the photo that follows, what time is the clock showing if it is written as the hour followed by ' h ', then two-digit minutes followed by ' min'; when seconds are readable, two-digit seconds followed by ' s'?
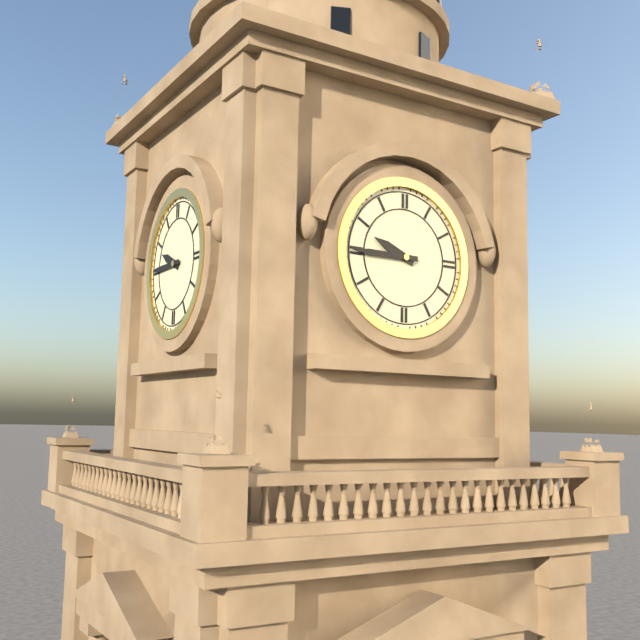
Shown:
9 h 45 min
